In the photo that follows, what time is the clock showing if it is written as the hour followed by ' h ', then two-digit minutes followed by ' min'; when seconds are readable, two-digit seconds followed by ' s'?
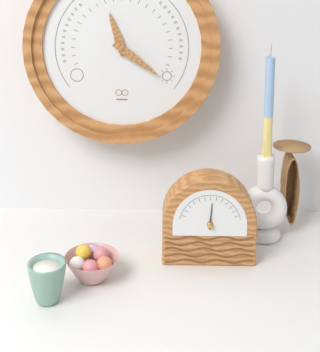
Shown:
11 h 21 min
